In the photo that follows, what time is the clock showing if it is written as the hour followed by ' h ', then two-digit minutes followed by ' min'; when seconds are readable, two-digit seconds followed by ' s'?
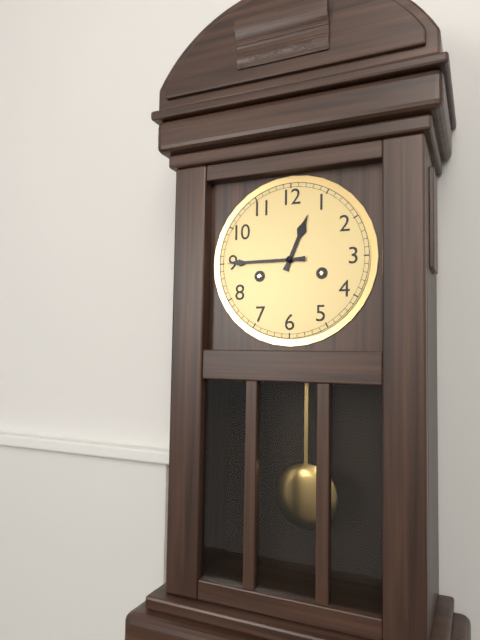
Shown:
12 h 45 min
